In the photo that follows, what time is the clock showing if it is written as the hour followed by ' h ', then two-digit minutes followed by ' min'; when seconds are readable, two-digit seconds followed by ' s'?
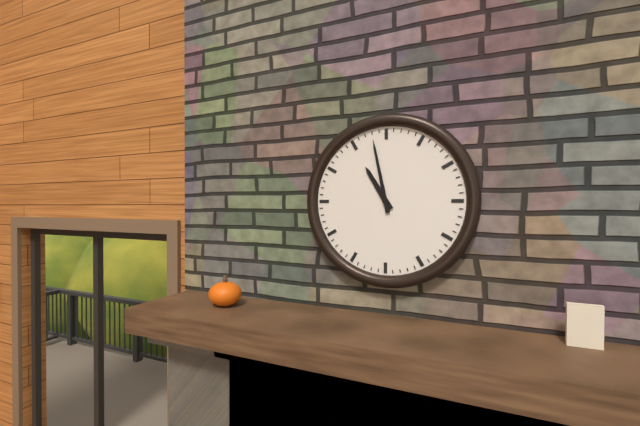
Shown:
10 h 58 min
